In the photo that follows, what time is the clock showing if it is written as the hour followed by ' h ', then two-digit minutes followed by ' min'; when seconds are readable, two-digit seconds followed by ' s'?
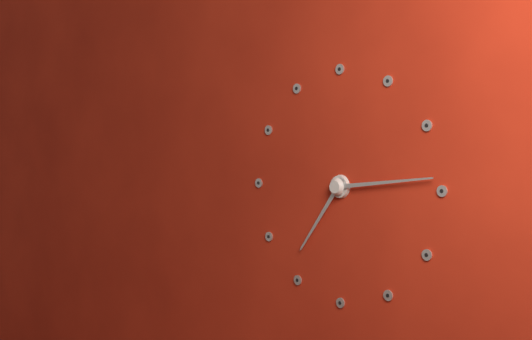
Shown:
7 h 14 min
